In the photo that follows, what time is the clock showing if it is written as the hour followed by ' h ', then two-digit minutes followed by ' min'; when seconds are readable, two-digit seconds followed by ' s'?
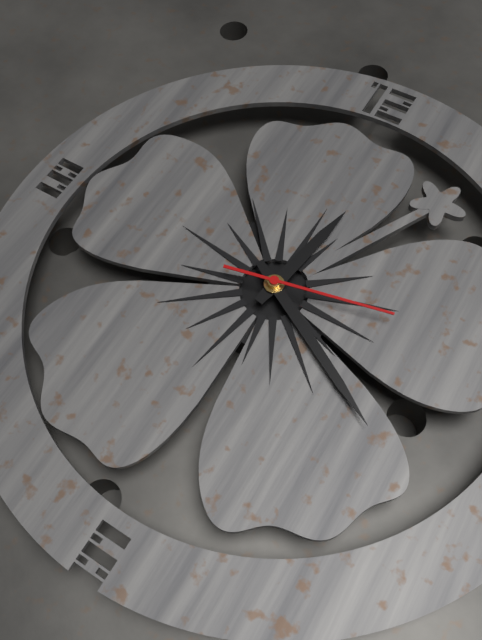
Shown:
12 h 20 min 13 s
